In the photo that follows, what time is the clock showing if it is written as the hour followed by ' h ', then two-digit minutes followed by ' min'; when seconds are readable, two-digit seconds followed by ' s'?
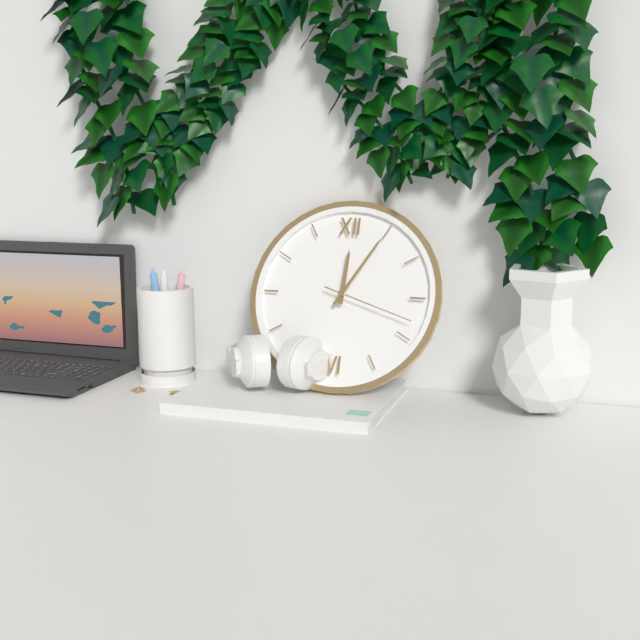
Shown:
12 h 05 min 18 s
